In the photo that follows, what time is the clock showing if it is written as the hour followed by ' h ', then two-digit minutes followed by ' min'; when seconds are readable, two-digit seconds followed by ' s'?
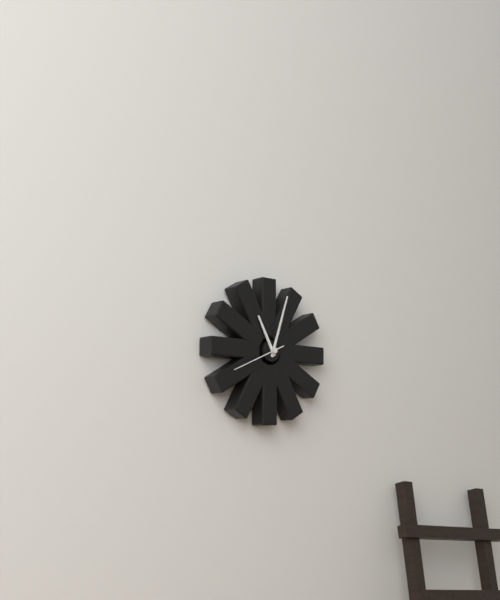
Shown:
11 h 03 min 41 s
